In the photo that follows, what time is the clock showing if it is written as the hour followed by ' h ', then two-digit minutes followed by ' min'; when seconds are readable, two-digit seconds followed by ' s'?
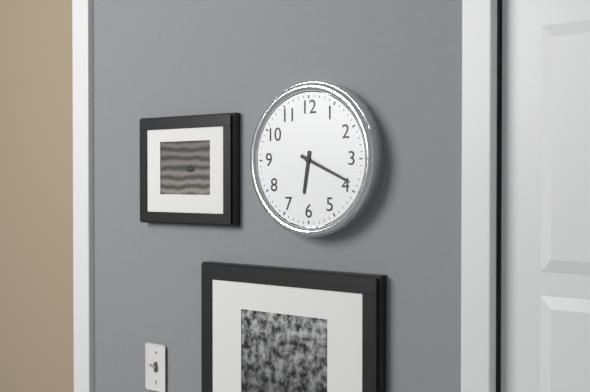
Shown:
6 h 19 min
